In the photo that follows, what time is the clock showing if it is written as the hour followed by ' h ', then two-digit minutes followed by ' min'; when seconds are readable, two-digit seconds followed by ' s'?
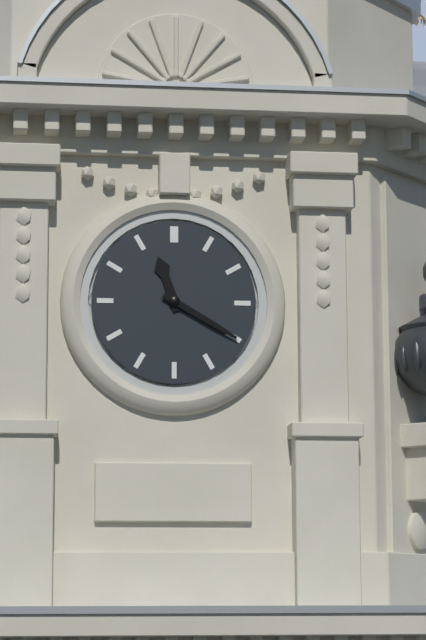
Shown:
11 h 20 min
